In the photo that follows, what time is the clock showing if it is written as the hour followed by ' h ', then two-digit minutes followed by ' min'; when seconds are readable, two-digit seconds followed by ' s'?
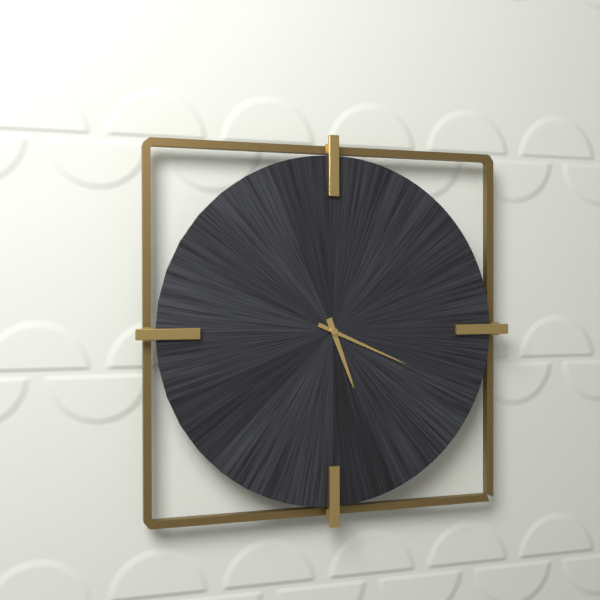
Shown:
5 h 19 min
